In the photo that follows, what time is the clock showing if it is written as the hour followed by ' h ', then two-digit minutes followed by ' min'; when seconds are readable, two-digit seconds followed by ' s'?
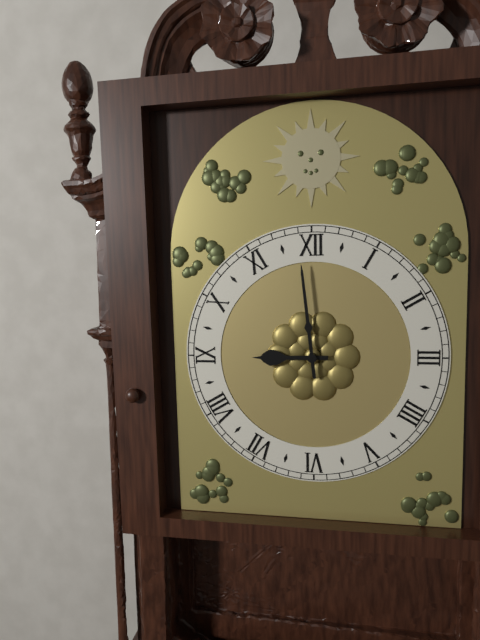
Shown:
8 h 59 min
